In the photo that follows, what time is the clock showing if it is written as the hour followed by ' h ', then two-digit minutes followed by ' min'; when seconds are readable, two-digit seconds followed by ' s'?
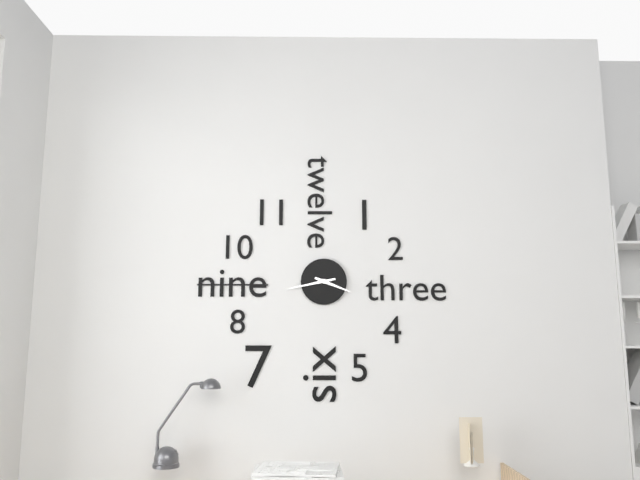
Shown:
3 h 43 min
